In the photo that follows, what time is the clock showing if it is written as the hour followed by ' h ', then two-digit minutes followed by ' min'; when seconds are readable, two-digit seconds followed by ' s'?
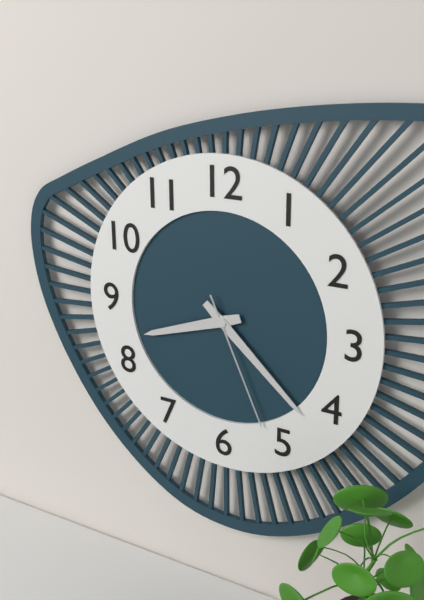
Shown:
8 h 22 min 26 s
